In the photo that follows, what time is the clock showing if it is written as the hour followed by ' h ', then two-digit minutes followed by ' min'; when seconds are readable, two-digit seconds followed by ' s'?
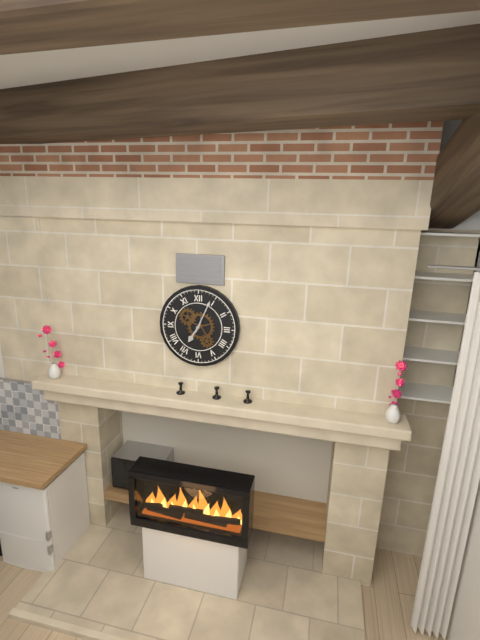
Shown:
7 h 04 min
